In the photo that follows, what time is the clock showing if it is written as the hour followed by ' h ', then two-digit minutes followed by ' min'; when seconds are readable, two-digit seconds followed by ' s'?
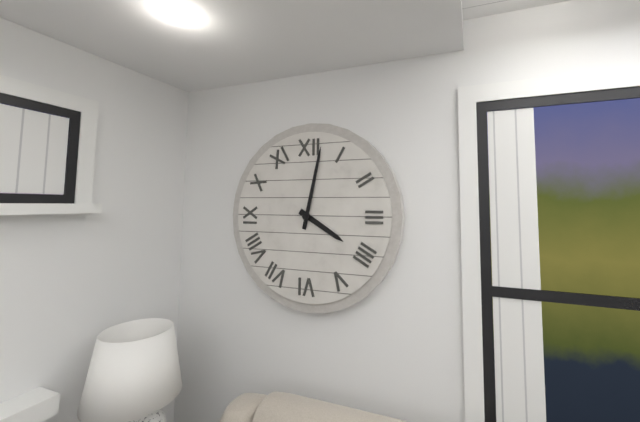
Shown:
4 h 02 min
